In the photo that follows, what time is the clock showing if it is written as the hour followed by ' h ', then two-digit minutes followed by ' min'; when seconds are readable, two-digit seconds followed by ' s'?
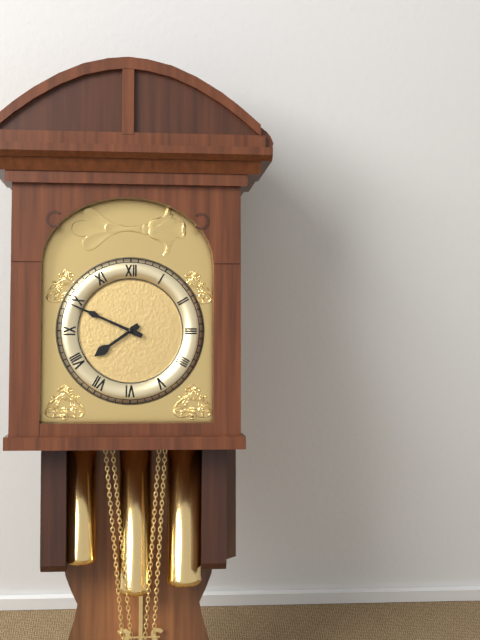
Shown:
7 h 49 min
